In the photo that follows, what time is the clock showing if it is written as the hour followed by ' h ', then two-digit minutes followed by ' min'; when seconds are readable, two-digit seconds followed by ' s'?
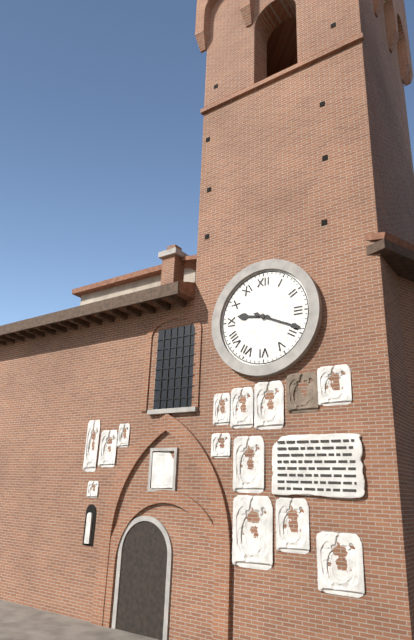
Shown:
9 h 19 min
